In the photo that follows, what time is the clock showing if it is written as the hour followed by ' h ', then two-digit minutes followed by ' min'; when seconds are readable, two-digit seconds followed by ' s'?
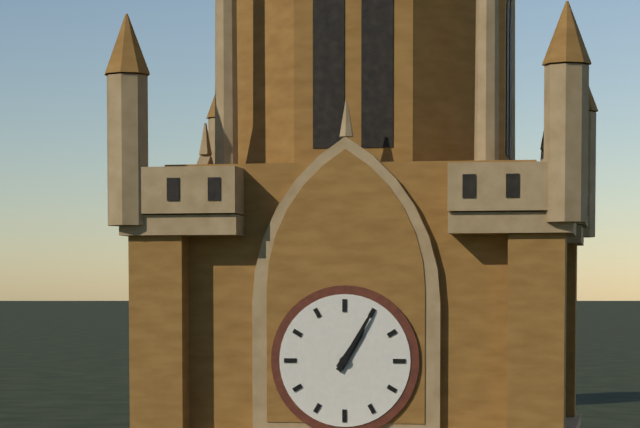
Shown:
1 h 05 min
